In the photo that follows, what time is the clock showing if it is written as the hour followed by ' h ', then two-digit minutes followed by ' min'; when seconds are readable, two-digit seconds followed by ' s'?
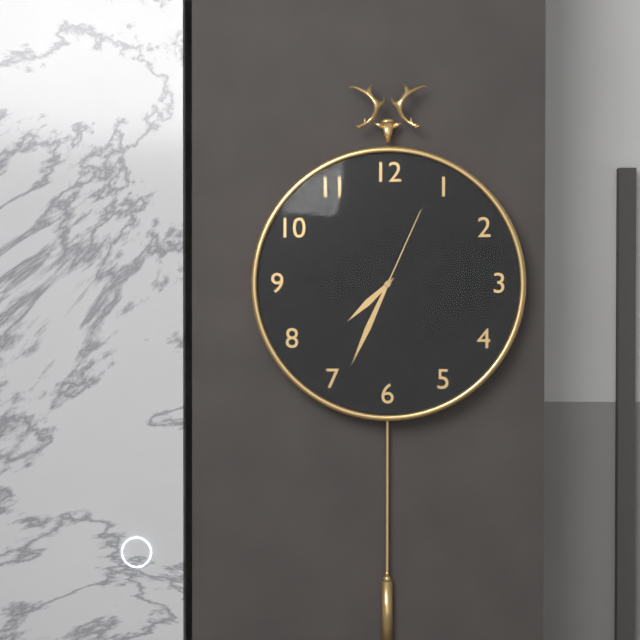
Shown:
7 h 34 min 04 s
